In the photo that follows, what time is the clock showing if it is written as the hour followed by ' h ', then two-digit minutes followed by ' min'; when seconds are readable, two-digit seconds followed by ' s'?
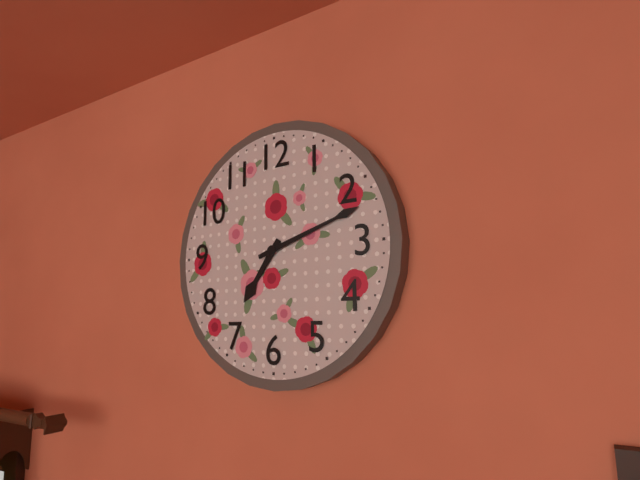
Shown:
7 h 12 min
